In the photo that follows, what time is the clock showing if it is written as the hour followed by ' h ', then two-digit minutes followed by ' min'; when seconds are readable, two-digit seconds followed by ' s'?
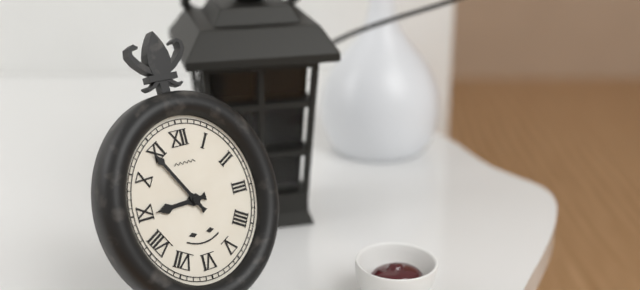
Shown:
8 h 55 min
